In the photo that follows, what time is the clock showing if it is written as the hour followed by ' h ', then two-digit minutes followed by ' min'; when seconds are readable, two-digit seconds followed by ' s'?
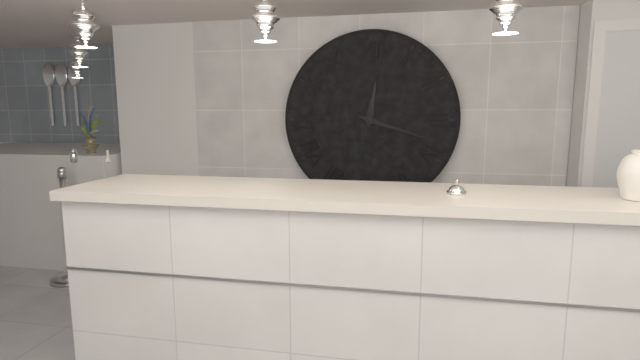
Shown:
12 h 18 min
